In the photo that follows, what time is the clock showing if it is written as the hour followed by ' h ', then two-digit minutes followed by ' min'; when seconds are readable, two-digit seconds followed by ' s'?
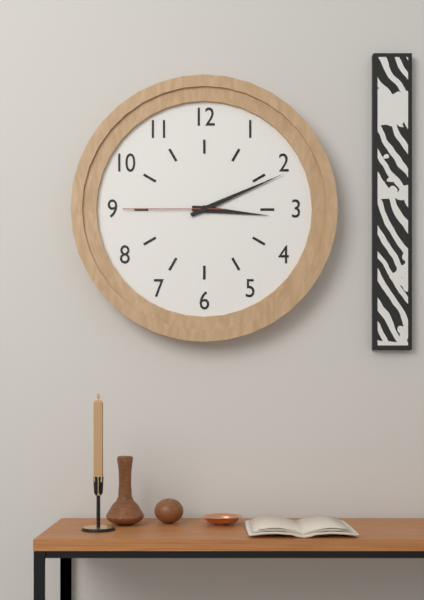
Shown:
3 h 11 min 45 s
